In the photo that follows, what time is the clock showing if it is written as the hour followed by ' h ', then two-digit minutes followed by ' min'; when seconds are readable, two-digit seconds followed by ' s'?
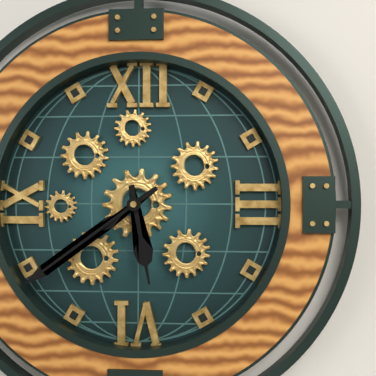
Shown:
5 h 39 min
